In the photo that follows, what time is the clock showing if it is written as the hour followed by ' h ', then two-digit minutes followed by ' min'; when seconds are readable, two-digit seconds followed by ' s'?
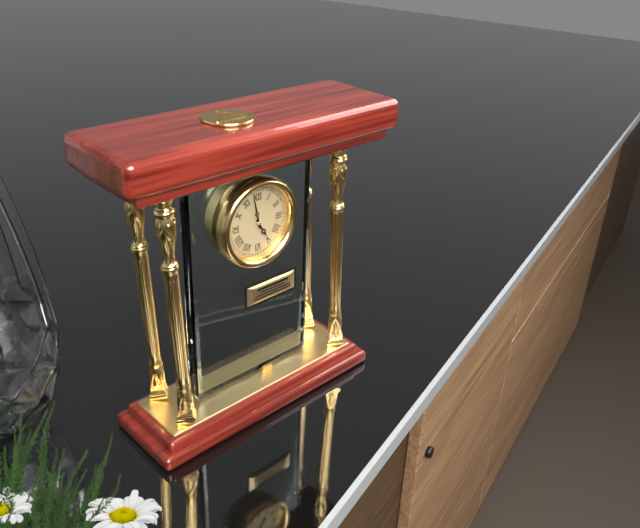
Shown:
4 h 58 min
